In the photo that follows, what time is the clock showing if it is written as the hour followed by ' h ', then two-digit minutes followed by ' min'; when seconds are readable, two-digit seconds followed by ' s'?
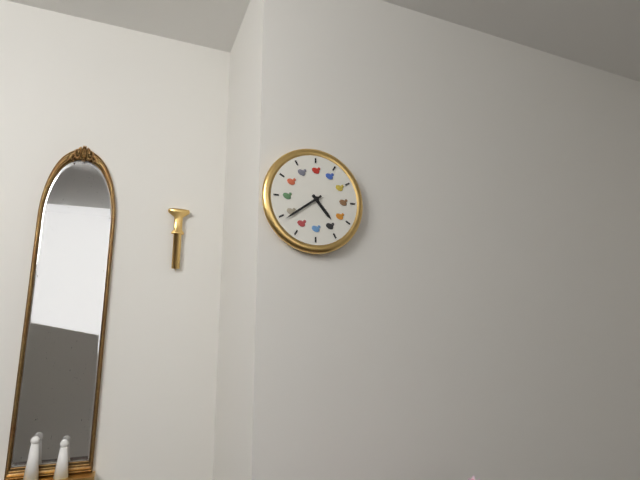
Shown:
4 h 39 min
